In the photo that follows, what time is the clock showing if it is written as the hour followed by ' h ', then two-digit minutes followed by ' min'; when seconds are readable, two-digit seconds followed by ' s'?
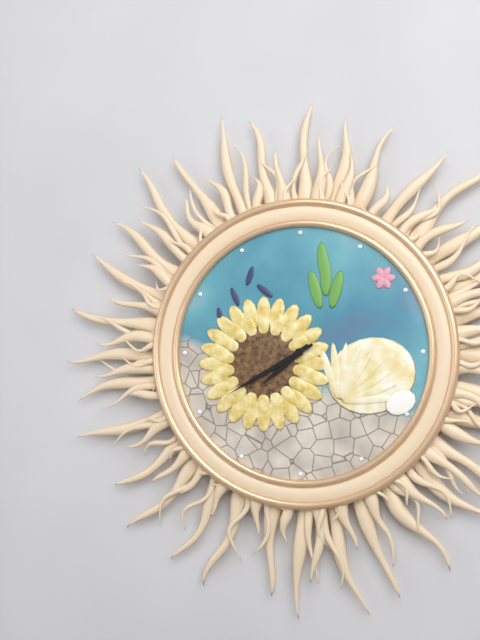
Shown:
7 h 40 min
